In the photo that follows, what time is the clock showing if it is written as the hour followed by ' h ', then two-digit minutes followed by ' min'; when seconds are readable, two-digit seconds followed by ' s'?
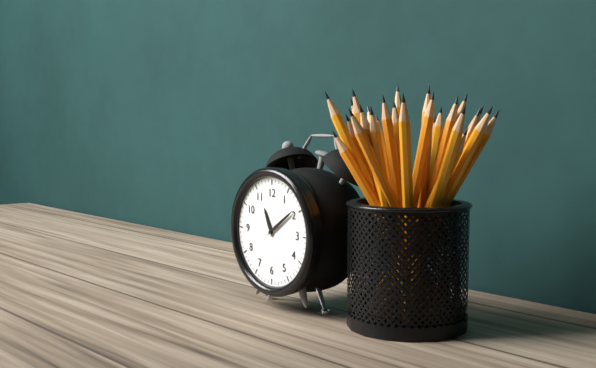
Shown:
11 h 09 min
